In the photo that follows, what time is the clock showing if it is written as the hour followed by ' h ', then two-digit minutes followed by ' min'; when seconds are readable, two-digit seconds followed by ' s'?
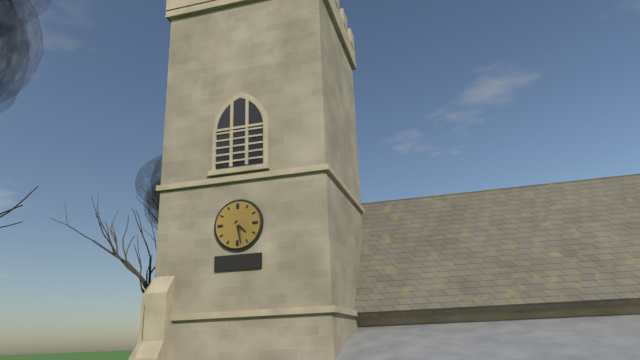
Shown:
4 h 28 min
